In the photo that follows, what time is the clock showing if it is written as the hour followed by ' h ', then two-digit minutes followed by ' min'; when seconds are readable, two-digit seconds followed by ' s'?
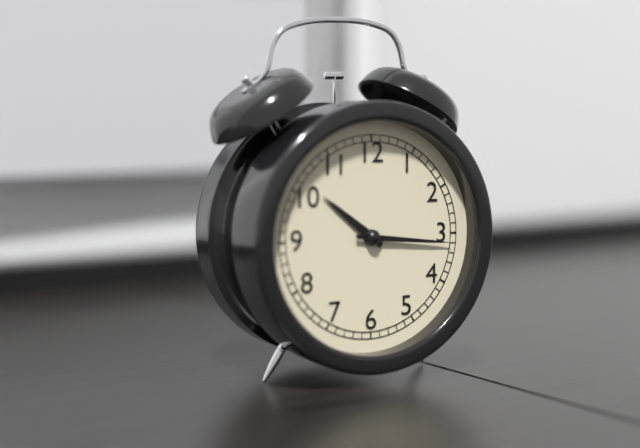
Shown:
10 h 16 min
